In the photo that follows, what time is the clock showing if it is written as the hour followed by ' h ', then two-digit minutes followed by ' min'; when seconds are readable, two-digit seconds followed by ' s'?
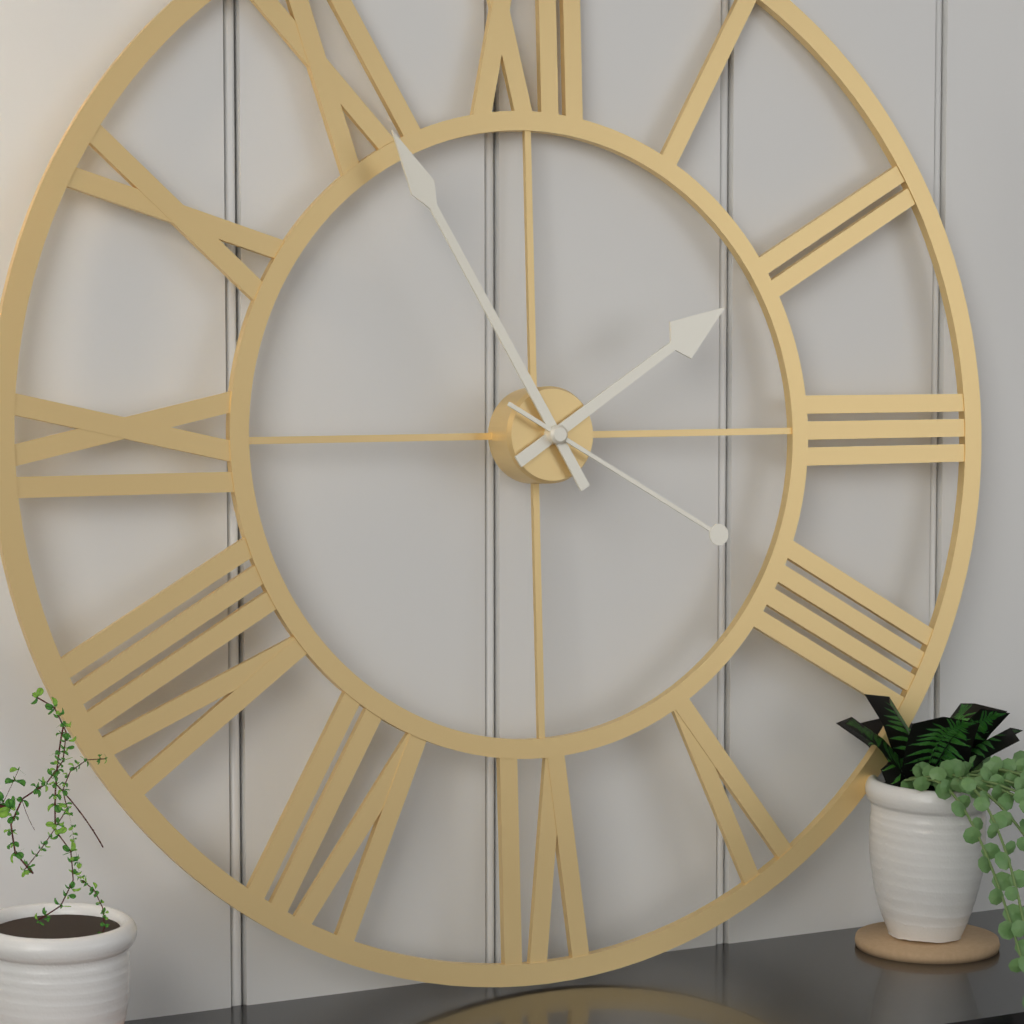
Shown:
1 h 55 min 20 s
